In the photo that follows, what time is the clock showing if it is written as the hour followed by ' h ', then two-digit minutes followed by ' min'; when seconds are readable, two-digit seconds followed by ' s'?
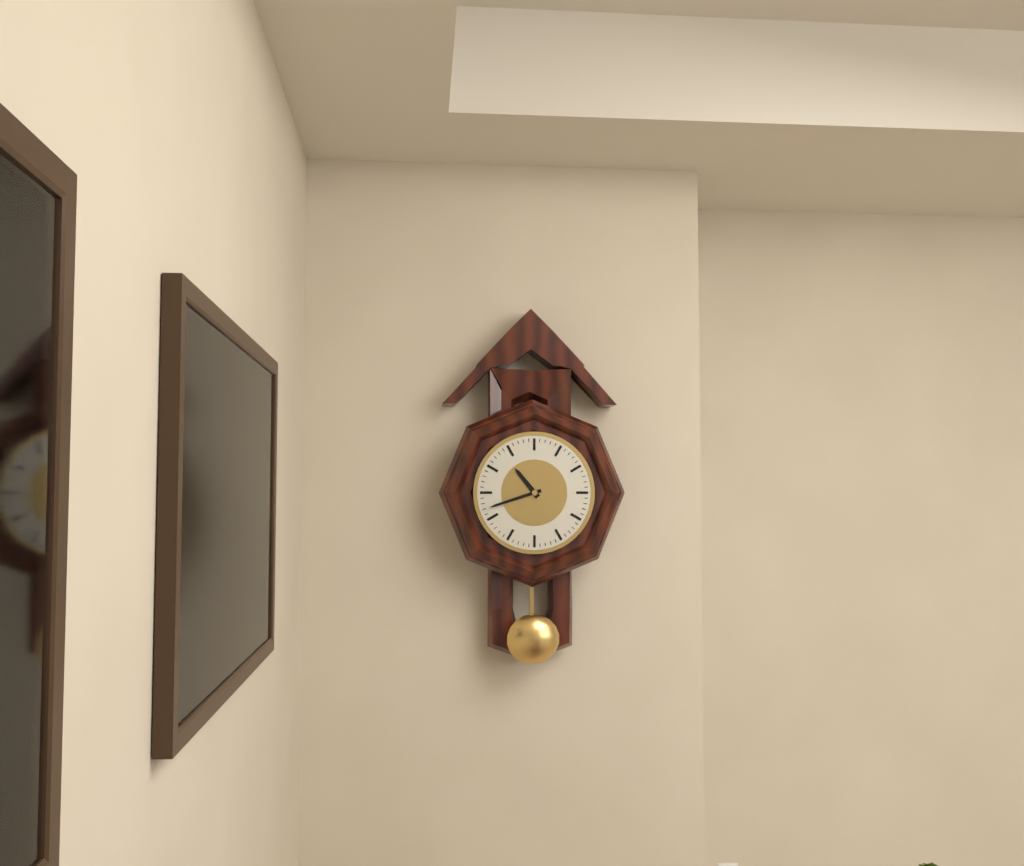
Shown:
10 h 42 min
